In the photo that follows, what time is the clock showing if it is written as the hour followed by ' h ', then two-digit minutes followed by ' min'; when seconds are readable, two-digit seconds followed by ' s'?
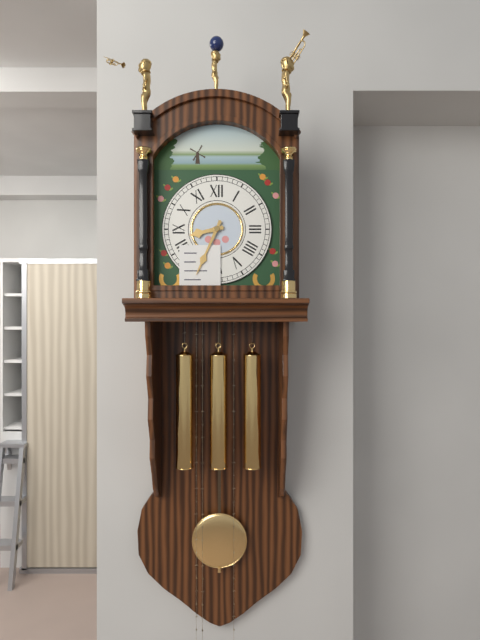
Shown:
8 h 34 min
